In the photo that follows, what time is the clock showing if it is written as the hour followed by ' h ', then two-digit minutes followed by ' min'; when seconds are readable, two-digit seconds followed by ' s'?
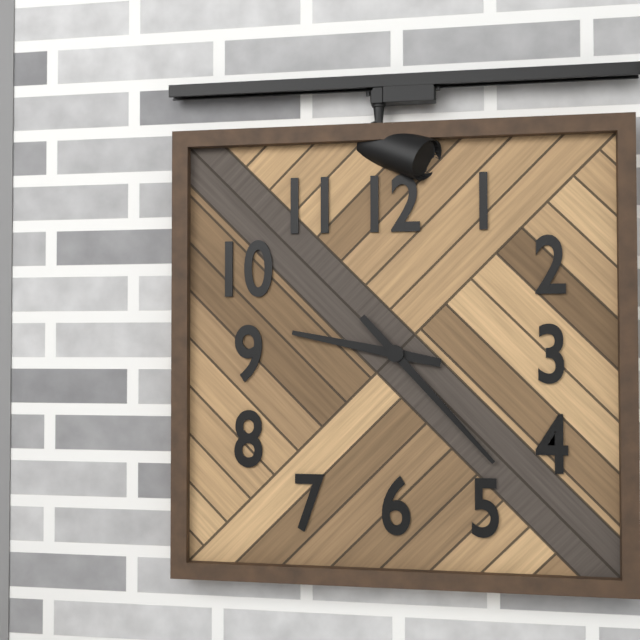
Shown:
9 h 23 min
